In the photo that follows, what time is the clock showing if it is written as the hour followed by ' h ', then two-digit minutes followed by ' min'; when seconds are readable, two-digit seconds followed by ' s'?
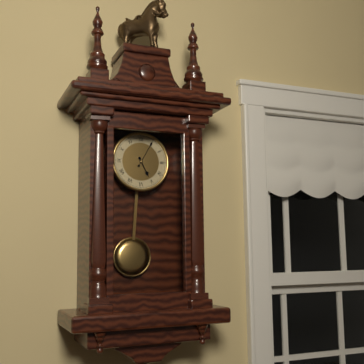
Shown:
5 h 05 min
